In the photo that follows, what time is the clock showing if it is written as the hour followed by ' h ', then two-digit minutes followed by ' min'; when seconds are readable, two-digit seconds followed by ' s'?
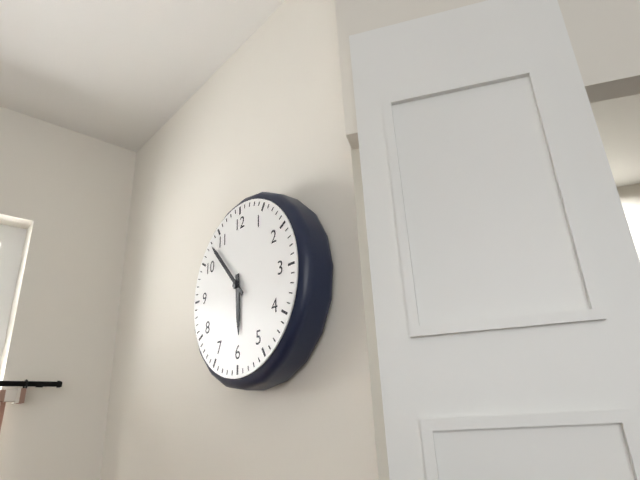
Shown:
5 h 53 min
